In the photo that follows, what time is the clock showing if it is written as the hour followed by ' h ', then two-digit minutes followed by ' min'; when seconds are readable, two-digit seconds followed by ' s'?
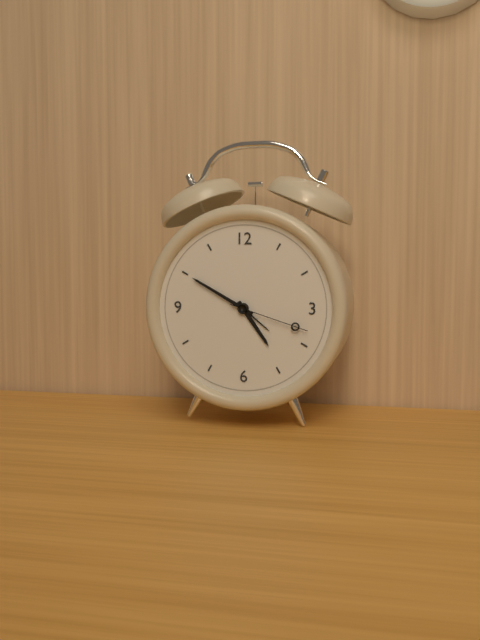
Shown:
4 h 50 min 18 s
